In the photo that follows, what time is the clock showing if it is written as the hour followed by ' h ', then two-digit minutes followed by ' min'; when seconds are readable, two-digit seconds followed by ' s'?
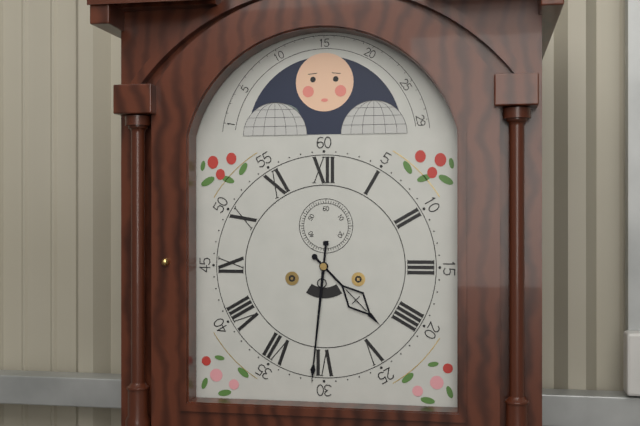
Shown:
4 h 31 min
